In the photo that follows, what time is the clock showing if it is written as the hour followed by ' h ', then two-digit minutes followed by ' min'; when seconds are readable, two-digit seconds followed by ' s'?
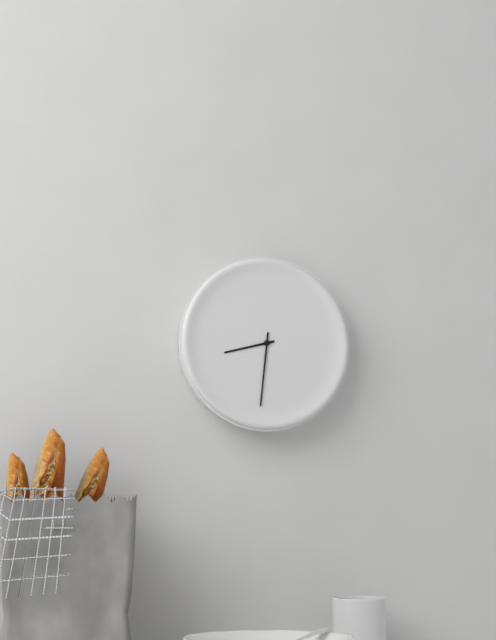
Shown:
8 h 31 min
